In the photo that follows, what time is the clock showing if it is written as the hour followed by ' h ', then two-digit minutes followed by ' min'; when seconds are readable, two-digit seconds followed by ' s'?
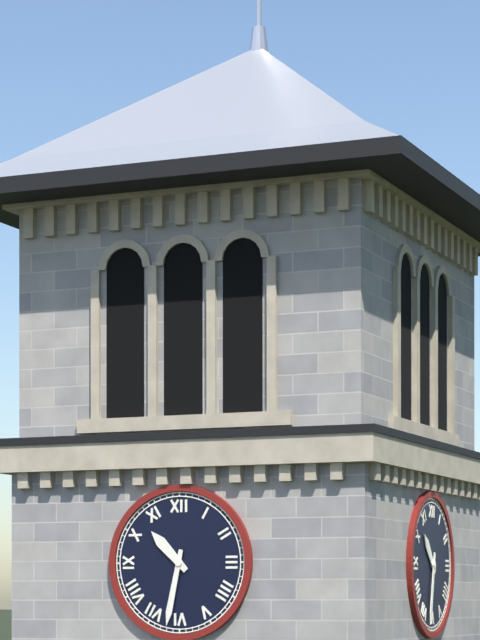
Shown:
10 h 32 min
